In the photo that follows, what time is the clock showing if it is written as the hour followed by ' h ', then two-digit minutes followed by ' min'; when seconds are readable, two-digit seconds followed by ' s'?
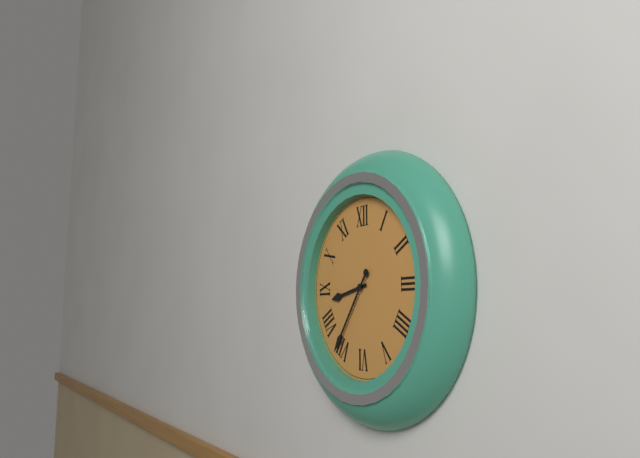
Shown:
8 h 36 min
